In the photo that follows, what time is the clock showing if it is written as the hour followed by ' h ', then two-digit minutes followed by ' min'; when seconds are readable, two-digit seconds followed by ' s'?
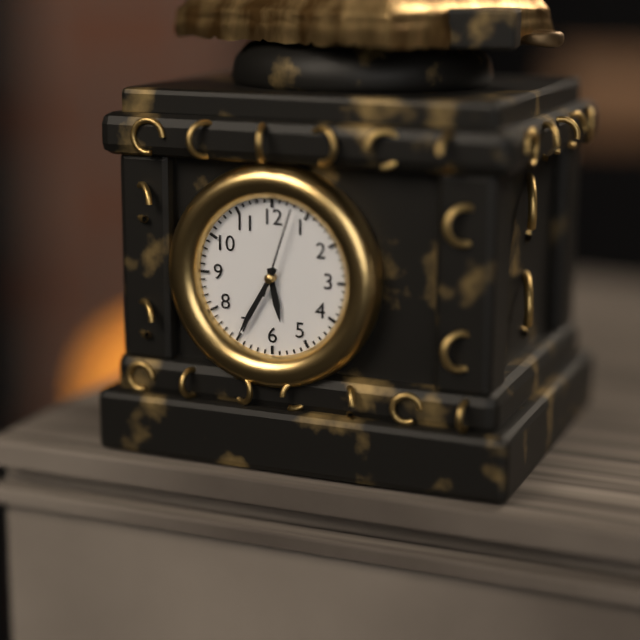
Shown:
5 h 35 min 03 s
